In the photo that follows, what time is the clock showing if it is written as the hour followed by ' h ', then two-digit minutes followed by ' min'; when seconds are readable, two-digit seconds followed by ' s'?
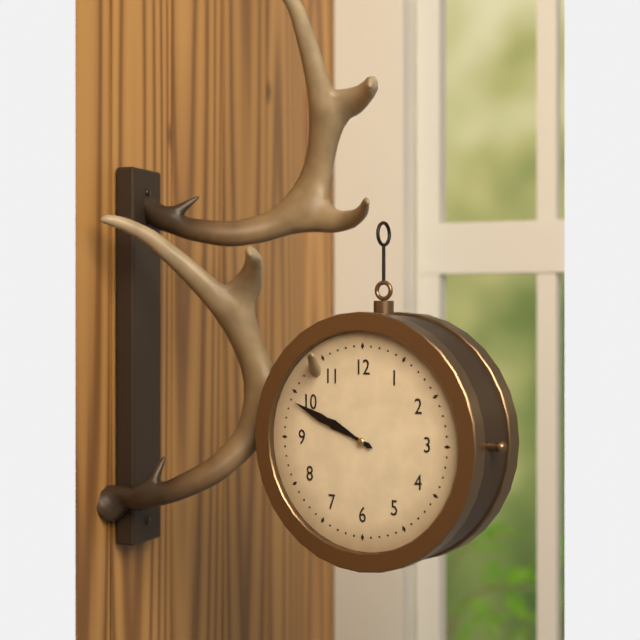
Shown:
9 h 49 min
